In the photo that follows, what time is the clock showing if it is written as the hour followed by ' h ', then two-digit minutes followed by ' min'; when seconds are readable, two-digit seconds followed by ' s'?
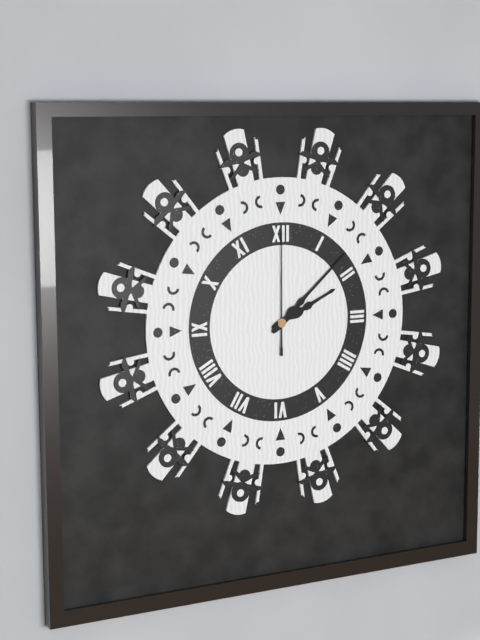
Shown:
2 h 08 min 00 s
